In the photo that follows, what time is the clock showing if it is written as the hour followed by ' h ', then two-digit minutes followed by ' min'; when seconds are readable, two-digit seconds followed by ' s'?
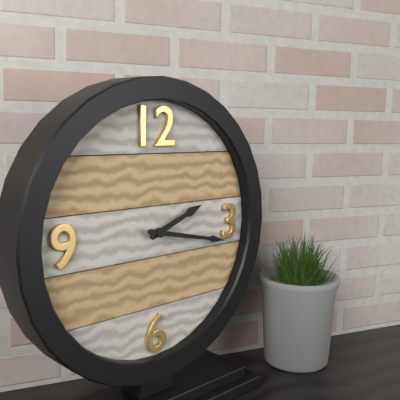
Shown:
2 h 17 min
